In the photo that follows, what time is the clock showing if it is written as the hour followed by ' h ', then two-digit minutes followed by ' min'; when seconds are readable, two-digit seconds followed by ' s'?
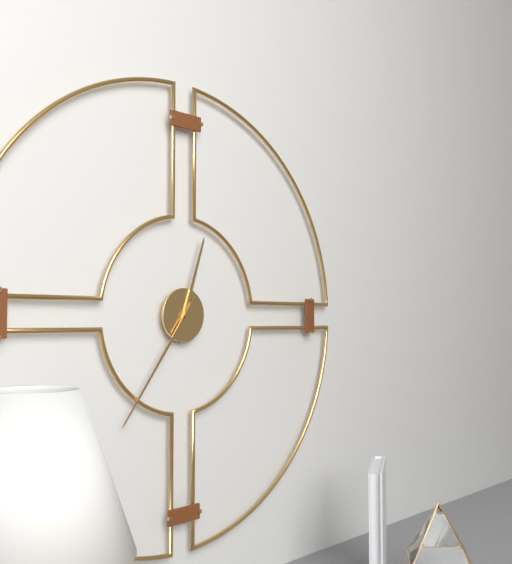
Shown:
12 h 36 min
